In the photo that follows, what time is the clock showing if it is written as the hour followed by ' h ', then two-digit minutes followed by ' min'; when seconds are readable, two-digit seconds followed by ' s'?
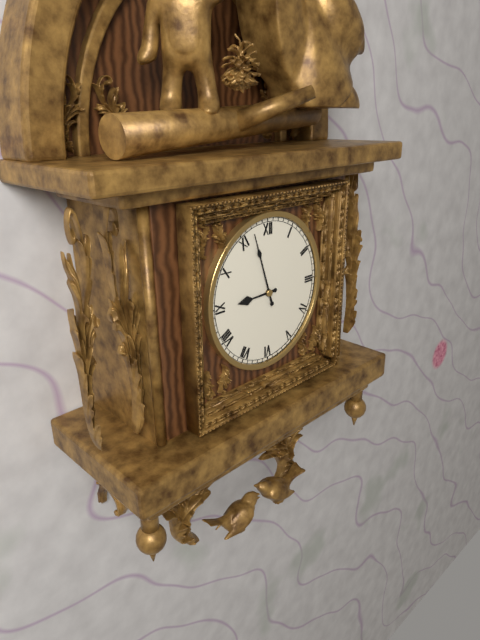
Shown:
8 h 57 min
